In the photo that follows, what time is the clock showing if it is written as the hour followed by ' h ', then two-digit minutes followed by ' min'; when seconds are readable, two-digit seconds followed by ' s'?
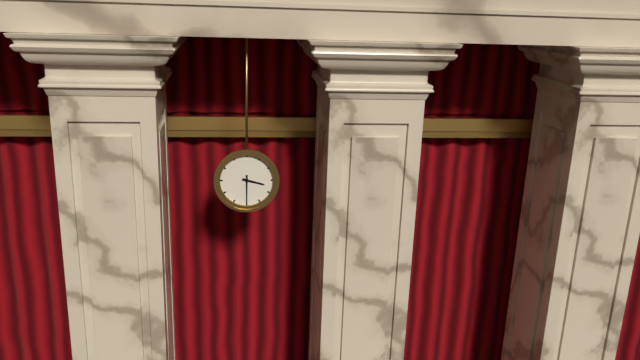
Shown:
3 h 30 min
